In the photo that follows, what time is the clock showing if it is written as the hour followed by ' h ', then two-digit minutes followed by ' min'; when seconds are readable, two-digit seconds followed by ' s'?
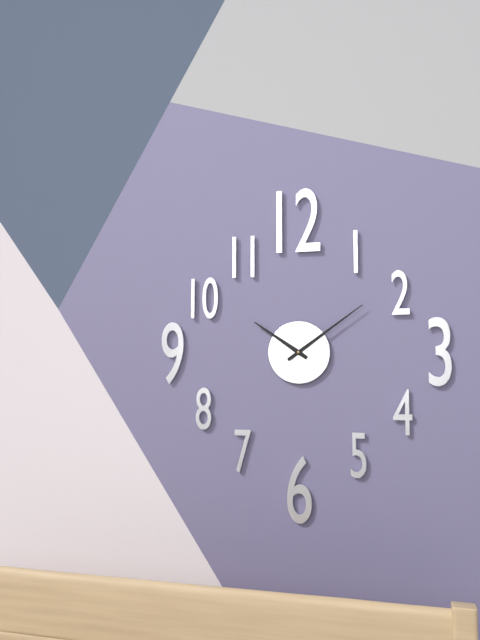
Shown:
10 h 09 min
